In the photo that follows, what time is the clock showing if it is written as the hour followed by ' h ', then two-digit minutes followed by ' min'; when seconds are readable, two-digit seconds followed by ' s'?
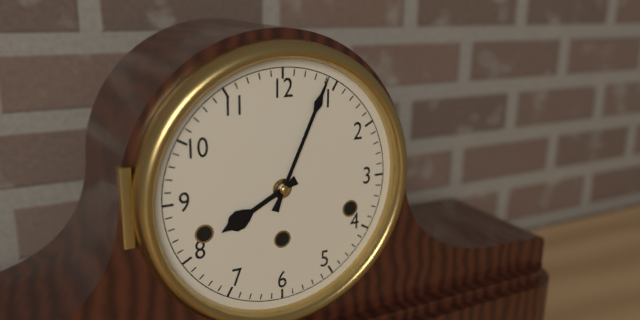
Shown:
8 h 04 min
